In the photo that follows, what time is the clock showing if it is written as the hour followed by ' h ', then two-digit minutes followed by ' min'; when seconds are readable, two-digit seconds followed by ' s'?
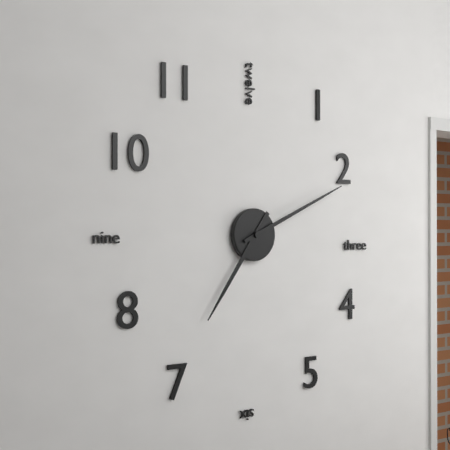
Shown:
7 h 11 min
